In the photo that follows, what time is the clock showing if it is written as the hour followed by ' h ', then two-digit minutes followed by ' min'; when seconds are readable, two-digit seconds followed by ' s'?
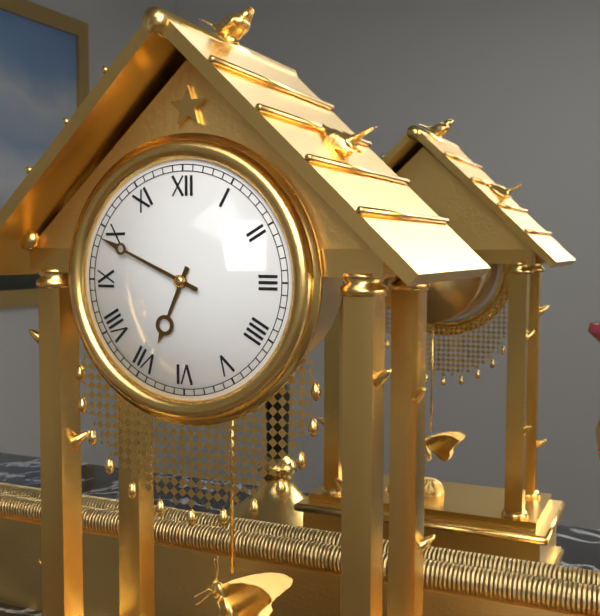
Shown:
6 h 49 min
